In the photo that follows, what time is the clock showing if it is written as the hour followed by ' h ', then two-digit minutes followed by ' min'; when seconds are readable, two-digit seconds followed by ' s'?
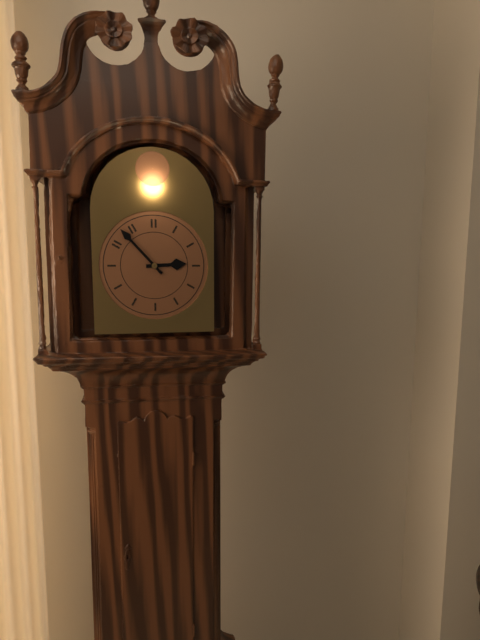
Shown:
2 h 53 min
